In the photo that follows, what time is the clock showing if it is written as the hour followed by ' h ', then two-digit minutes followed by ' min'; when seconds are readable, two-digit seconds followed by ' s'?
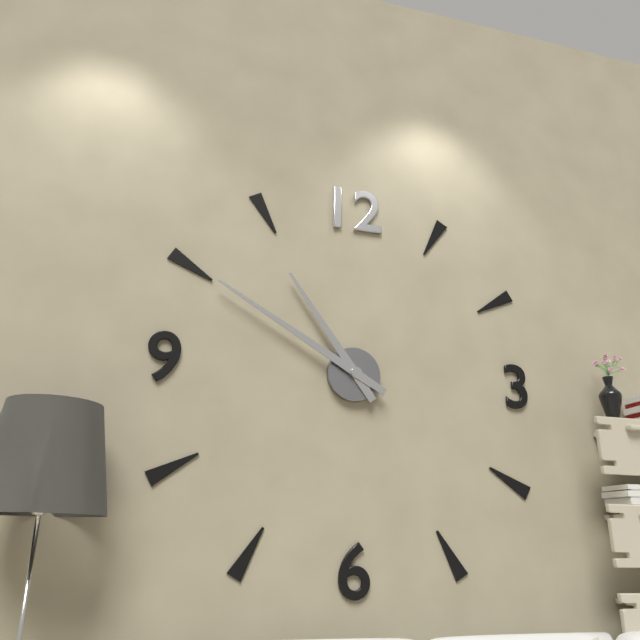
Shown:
10 h 50 min
